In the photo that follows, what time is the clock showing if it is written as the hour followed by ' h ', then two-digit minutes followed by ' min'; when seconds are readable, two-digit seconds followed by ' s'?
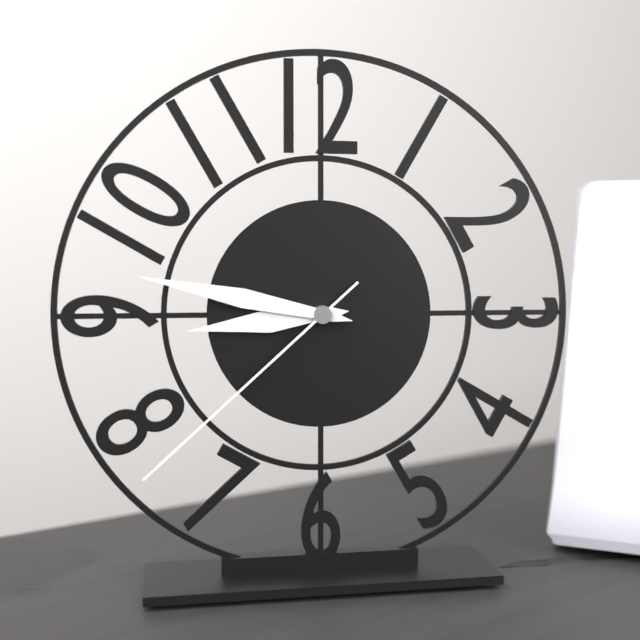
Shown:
8 h 47 min 38 s
